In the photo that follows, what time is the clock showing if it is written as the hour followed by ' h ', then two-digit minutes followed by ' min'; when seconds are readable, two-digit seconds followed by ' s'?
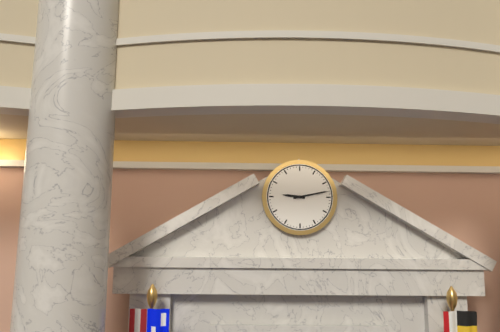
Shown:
9 h 13 min
